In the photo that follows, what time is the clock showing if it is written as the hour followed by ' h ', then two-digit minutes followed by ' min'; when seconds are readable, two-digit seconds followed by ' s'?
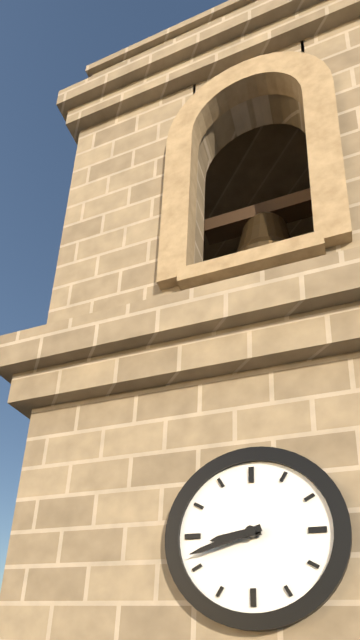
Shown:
8 h 42 min
